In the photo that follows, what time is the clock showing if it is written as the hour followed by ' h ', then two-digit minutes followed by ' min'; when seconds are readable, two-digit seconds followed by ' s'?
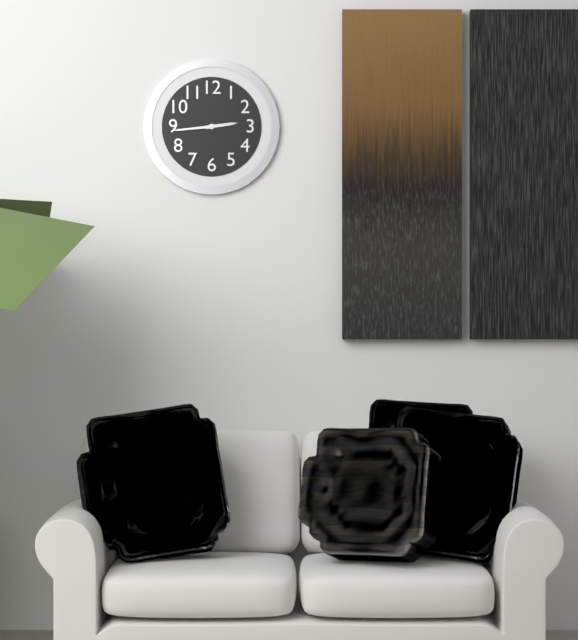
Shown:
2 h 44 min
